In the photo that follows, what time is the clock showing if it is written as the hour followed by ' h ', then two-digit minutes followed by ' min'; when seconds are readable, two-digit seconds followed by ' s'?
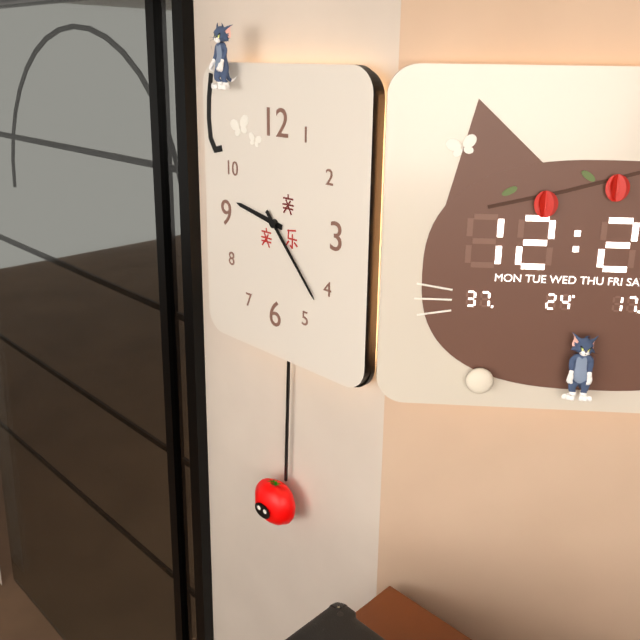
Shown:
9 h 23 min
